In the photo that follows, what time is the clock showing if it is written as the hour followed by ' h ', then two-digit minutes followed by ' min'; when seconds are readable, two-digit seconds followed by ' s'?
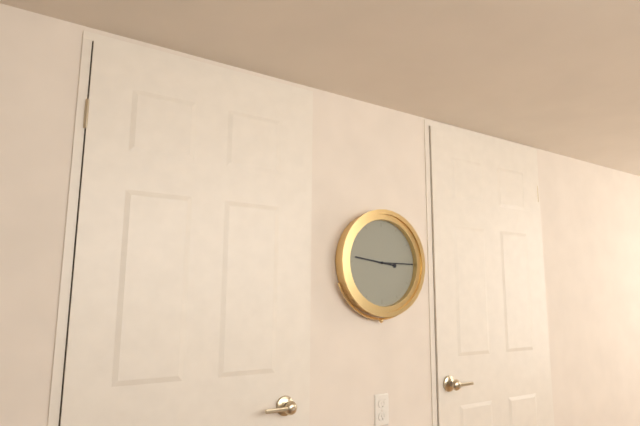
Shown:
9 h 15 min
